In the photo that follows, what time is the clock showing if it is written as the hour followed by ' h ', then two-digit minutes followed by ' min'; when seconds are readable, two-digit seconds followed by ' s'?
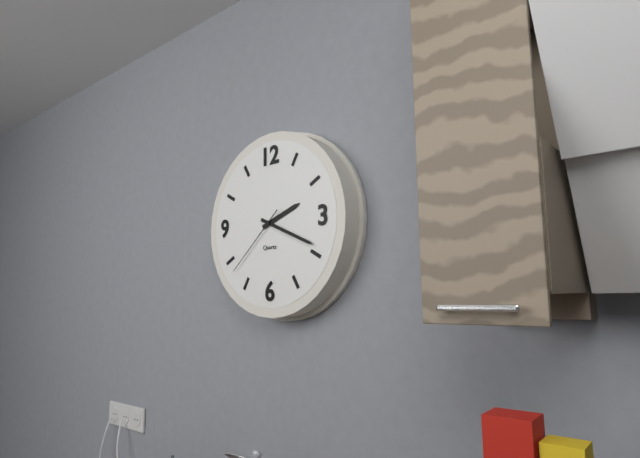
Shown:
2 h 19 min 38 s
